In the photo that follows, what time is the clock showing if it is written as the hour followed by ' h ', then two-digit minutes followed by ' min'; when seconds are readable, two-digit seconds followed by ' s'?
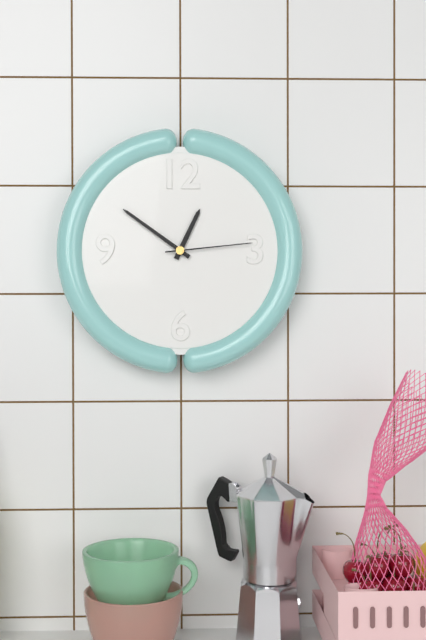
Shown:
12 h 51 min 14 s
